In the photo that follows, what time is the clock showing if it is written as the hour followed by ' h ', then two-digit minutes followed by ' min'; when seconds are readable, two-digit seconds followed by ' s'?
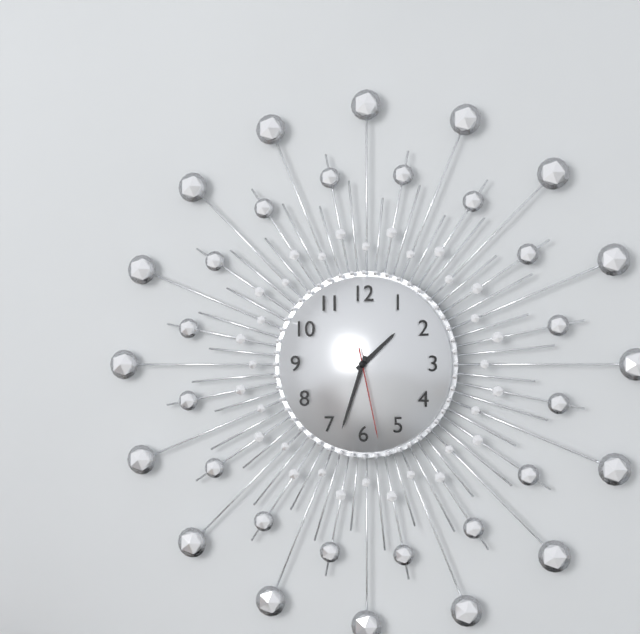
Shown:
1 h 33 min 28 s
